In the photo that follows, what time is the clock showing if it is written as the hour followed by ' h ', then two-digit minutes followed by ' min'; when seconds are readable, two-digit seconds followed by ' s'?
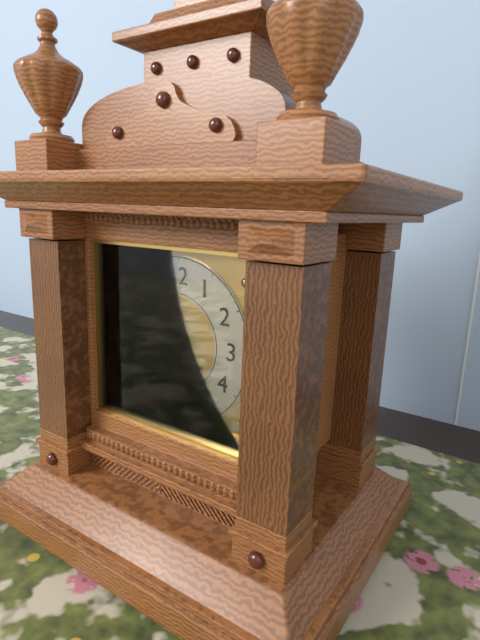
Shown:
8 h 54 min
